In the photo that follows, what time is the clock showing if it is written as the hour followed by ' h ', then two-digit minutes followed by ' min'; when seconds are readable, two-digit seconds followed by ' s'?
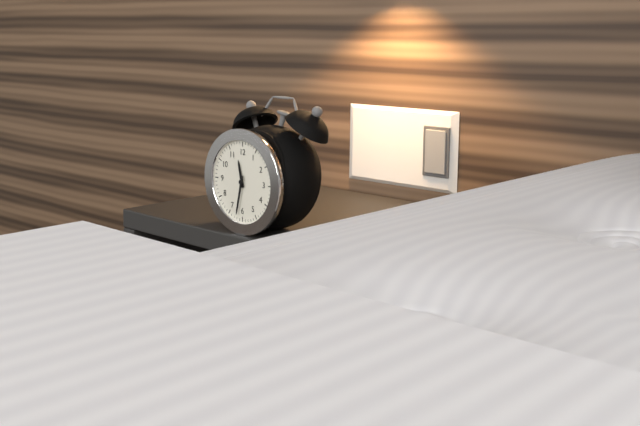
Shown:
11 h 32 min
